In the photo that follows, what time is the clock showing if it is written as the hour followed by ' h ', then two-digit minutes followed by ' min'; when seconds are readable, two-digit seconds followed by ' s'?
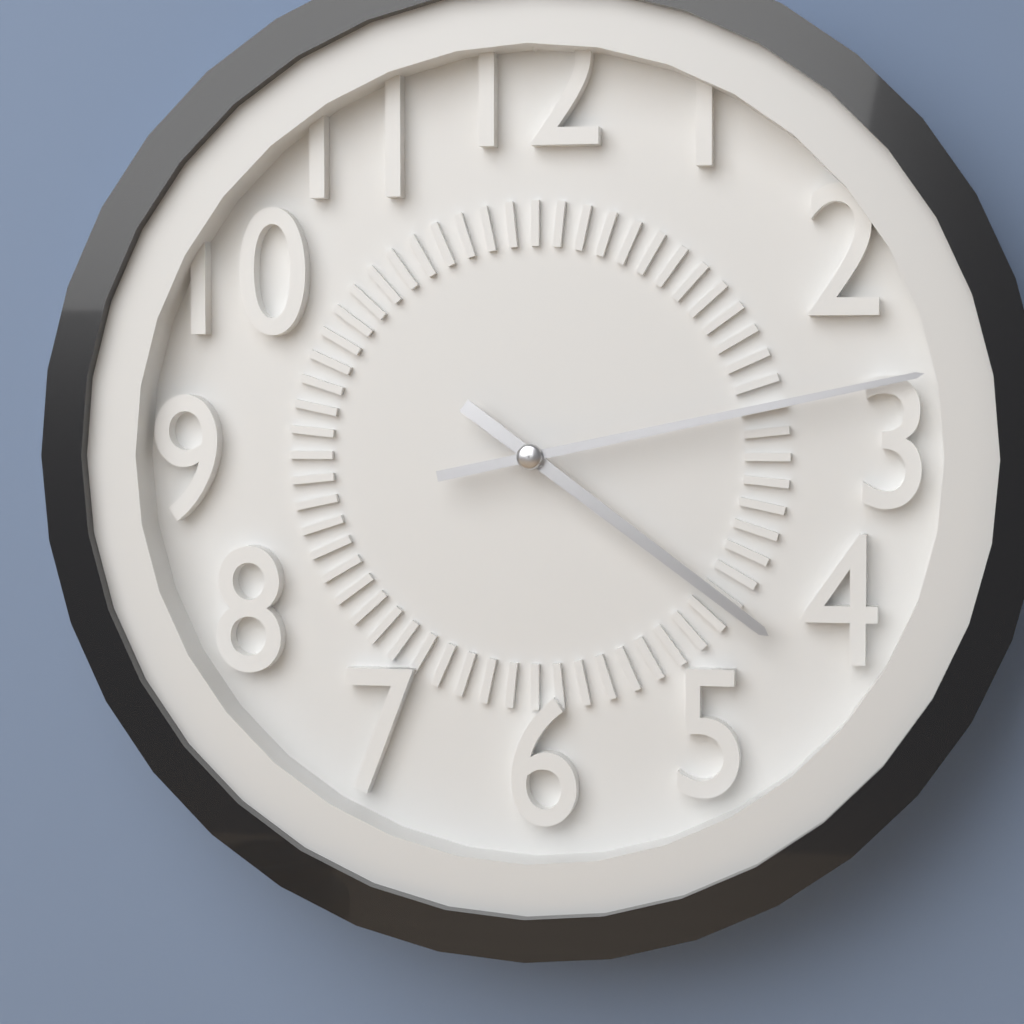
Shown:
4 h 13 min
